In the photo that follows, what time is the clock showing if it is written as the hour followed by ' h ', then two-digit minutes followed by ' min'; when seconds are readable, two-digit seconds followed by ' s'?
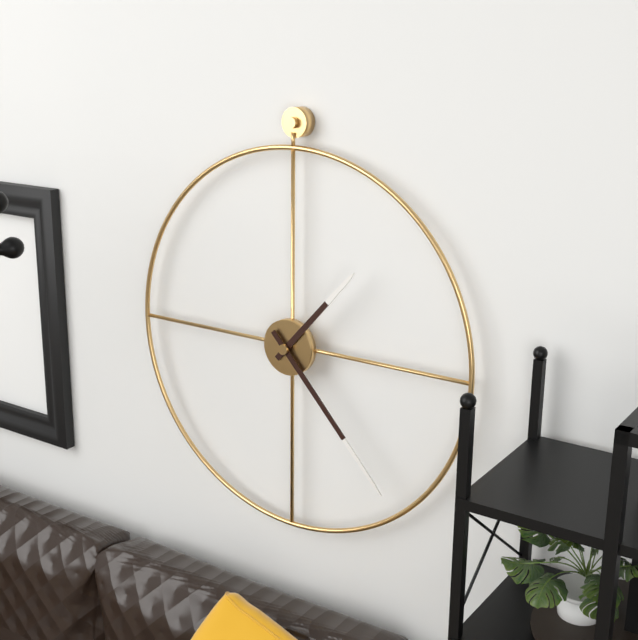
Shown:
1 h 23 min
